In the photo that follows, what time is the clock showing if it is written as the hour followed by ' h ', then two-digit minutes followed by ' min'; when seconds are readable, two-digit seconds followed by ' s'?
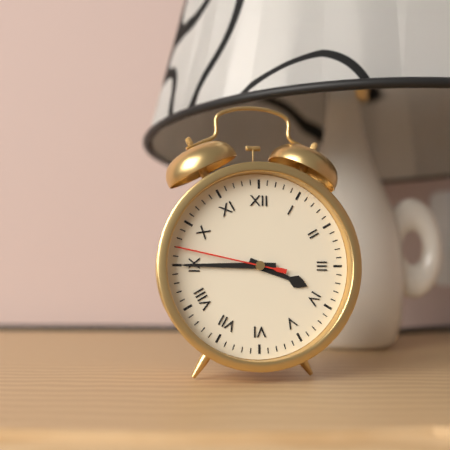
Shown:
3 h 45 min 47 s
